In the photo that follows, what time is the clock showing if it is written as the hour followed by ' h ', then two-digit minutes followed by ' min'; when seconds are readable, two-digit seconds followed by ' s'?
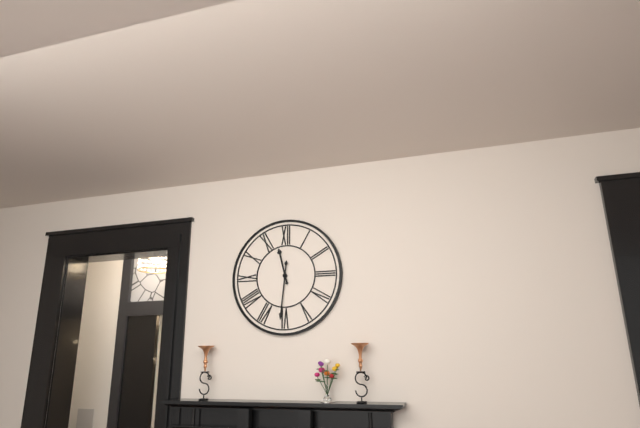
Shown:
11 h 31 min
